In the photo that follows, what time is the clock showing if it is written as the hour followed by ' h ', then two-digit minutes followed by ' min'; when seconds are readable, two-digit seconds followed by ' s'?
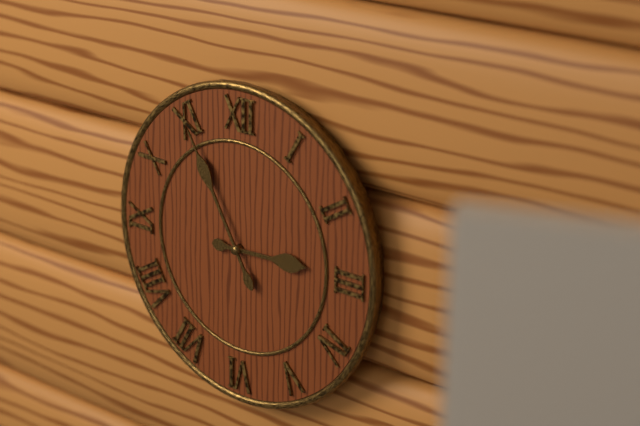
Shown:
2 h 55 min
